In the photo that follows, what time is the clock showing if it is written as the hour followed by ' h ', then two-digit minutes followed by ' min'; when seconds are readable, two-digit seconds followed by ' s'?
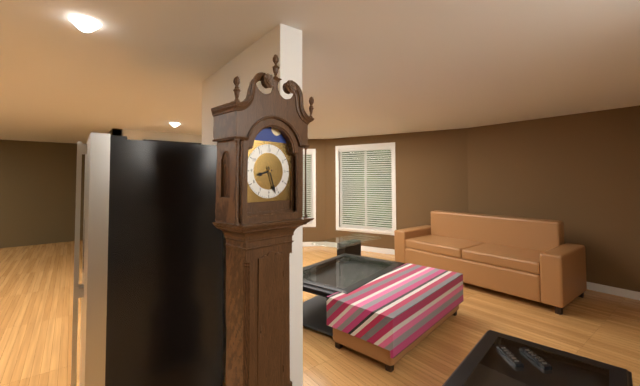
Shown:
8 h 27 min
